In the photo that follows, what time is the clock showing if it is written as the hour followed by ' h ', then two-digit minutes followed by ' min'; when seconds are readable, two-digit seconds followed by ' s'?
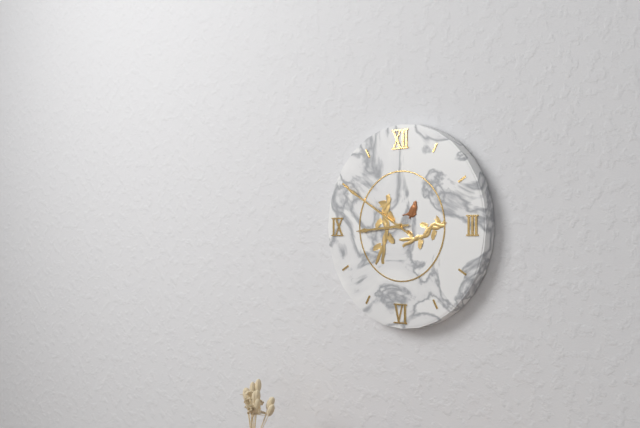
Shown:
8 h 50 min
